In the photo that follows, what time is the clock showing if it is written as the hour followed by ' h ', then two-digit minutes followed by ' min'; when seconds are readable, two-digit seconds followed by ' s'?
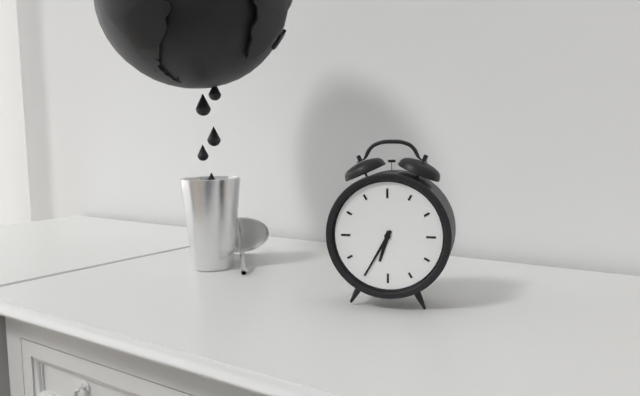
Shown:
6 h 35 min
